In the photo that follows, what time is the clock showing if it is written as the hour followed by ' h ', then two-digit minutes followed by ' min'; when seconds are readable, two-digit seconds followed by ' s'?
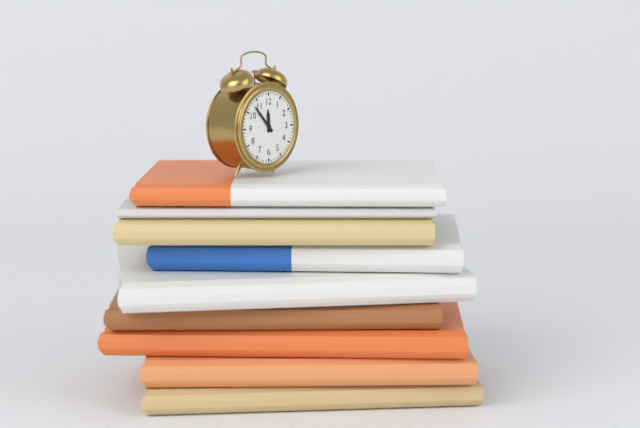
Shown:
11 h 53 min
